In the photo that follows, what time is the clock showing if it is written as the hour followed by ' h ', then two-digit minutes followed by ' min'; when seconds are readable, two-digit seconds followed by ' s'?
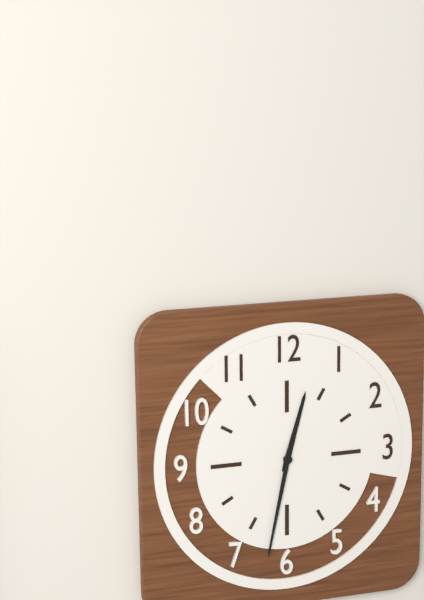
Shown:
12 h 32 min
